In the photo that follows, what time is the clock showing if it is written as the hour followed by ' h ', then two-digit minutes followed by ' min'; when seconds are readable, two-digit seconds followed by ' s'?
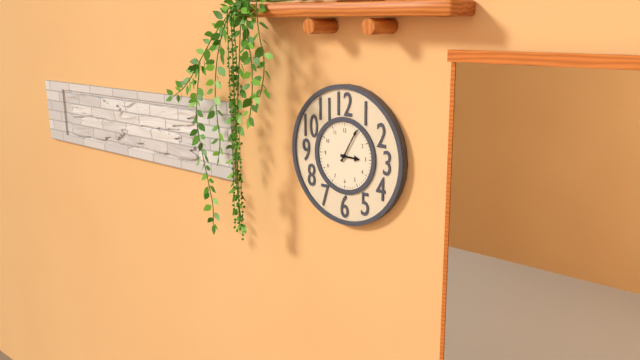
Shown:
3 h 05 min
